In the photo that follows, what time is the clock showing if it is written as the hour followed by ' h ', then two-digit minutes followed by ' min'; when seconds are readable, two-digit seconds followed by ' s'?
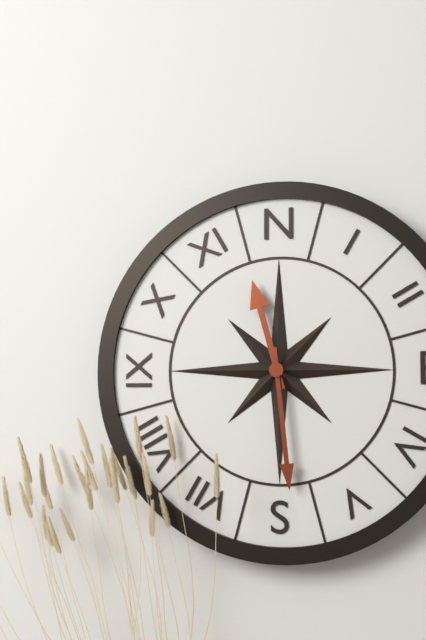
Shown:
11 h 29 min
